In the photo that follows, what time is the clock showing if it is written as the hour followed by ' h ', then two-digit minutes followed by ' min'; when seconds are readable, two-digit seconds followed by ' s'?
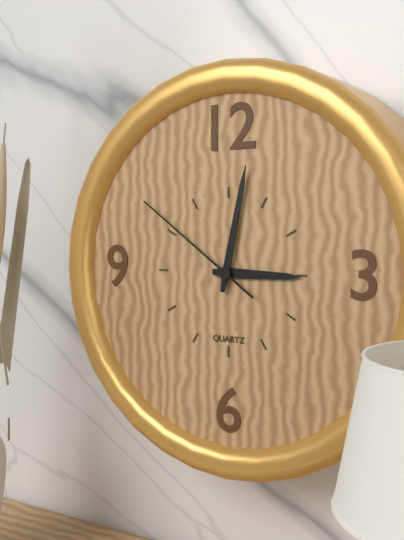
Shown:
3 h 02 min 51 s
